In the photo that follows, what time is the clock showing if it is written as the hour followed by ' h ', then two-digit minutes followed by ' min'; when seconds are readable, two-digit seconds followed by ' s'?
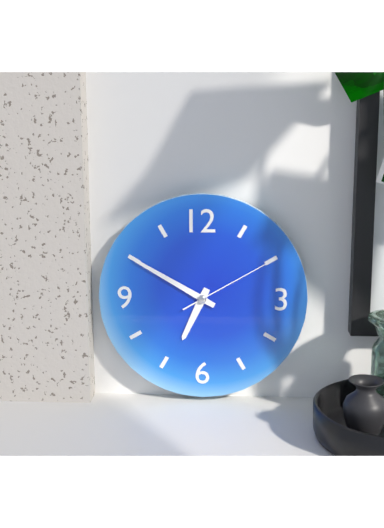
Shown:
6 h 50 min 10 s
